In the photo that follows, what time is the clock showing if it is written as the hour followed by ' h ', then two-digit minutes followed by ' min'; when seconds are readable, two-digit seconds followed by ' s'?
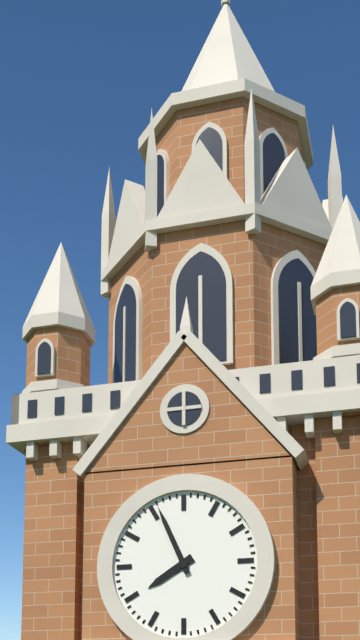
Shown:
7 h 56 min
